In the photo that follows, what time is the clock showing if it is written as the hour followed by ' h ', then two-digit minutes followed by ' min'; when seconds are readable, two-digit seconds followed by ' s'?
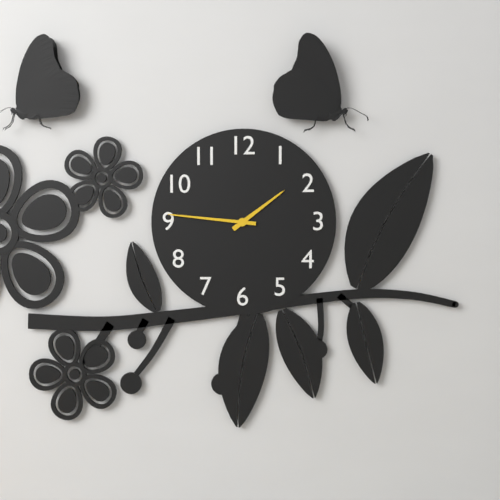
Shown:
1 h 46 min
